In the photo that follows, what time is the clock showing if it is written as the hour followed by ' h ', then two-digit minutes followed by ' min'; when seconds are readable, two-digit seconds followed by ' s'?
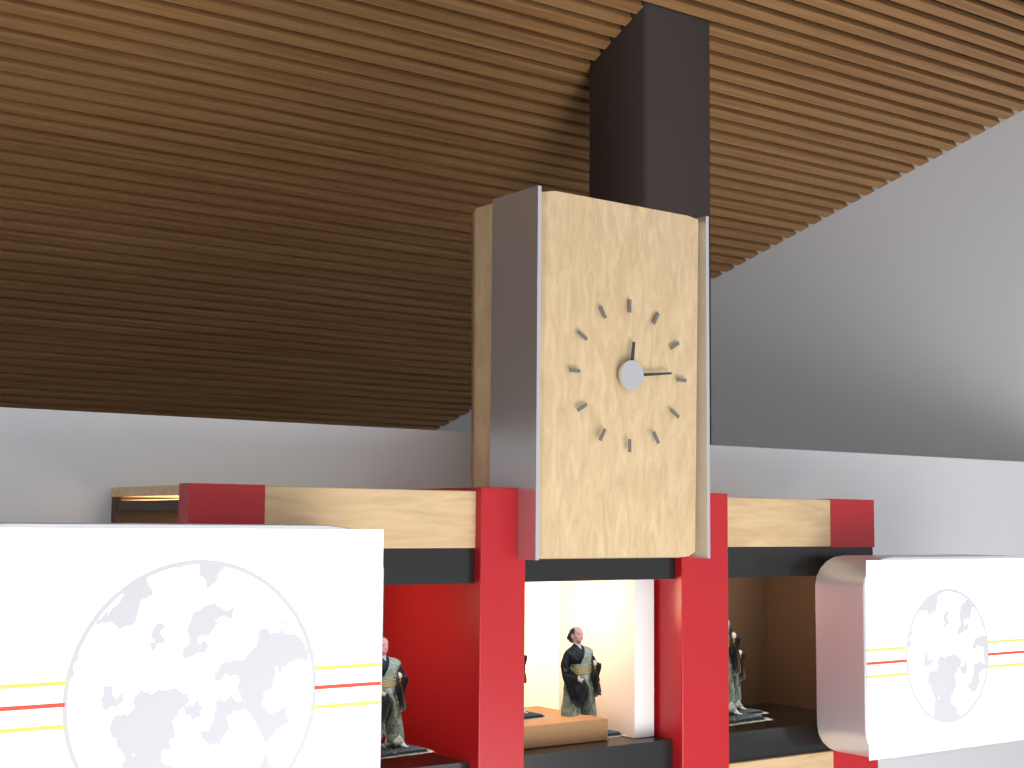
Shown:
12 h 14 min
